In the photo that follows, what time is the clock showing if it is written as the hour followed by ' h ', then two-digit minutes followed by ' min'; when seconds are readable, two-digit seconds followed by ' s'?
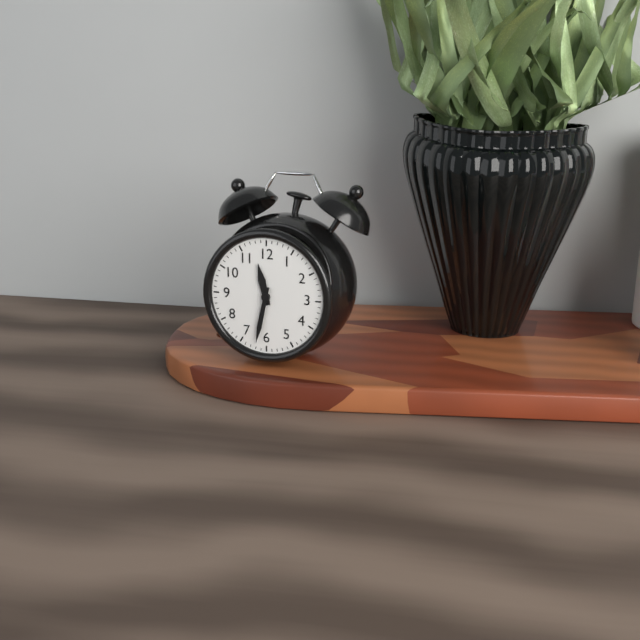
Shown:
11 h 32 min
